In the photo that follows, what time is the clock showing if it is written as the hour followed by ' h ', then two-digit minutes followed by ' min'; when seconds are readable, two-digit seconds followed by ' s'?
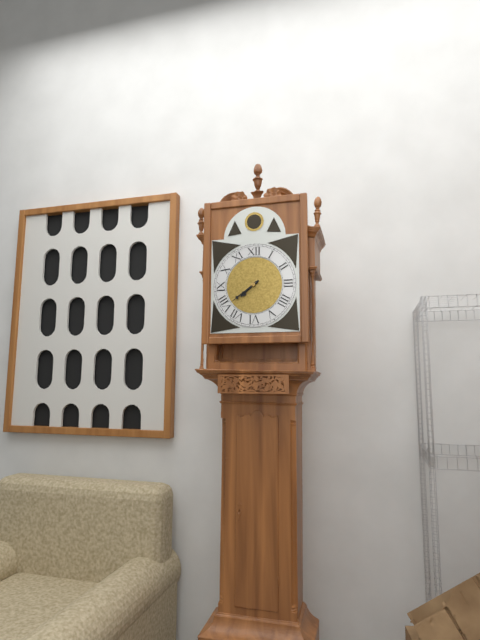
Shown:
7 h 39 min
